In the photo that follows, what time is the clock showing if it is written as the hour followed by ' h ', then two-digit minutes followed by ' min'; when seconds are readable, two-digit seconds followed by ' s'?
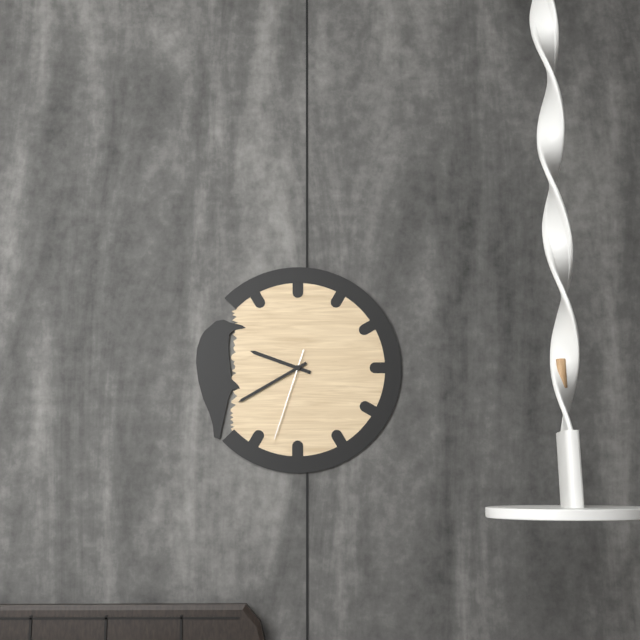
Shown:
9 h 40 min 33 s
